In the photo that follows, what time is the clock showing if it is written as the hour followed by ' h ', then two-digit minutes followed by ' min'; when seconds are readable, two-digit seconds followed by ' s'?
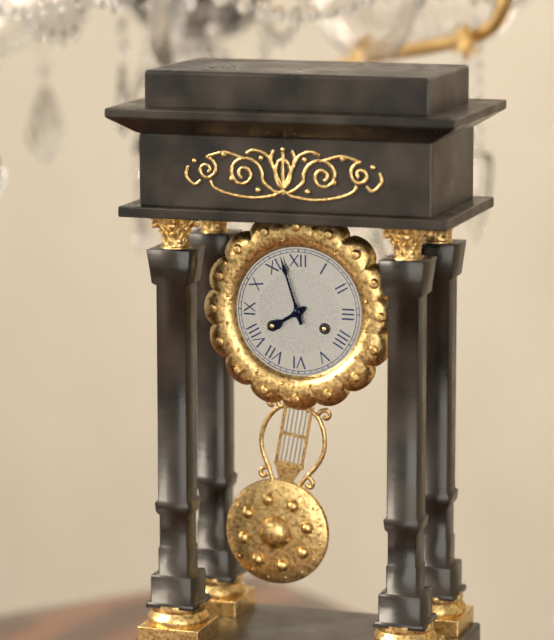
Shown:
7 h 57 min
